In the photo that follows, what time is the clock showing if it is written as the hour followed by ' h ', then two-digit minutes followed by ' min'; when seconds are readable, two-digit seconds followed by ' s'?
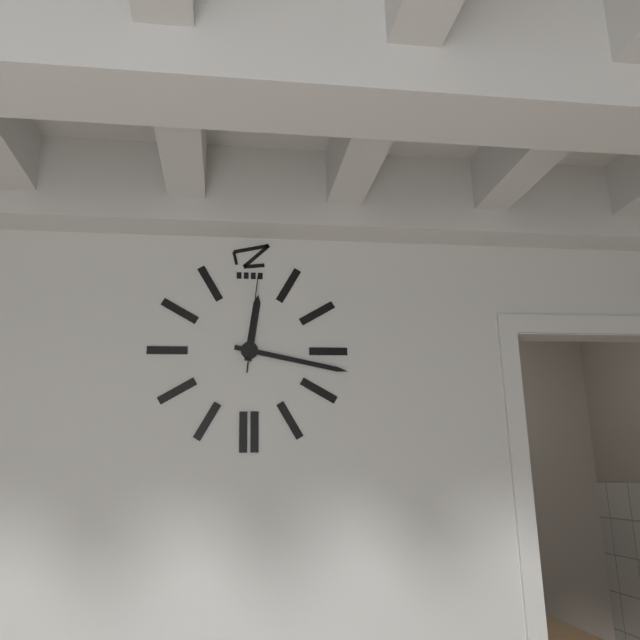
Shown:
12 h 17 min 01 s
